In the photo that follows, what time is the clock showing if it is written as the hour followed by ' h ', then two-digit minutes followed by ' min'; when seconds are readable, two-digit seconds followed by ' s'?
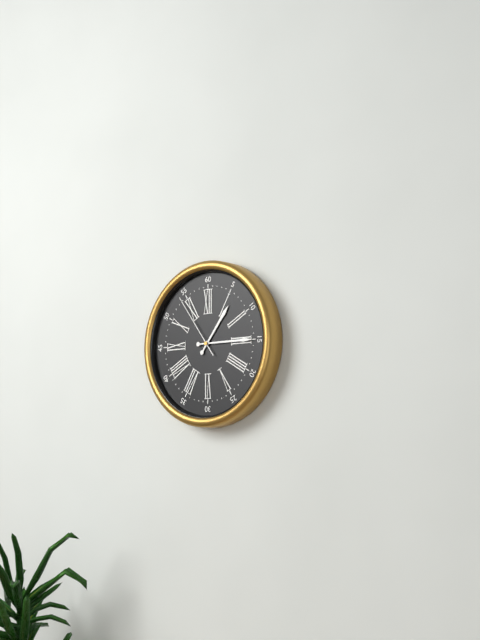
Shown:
1 h 15 min 54 s
